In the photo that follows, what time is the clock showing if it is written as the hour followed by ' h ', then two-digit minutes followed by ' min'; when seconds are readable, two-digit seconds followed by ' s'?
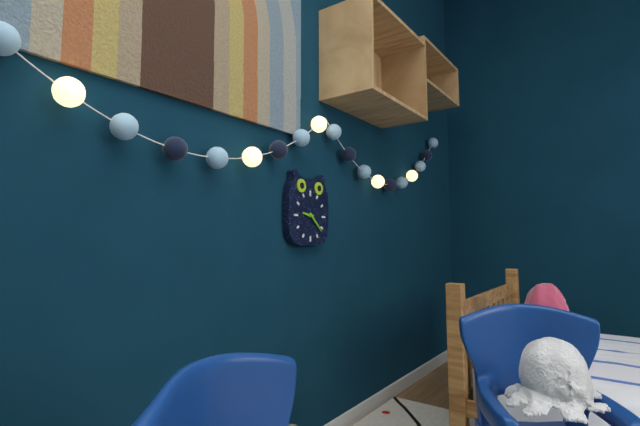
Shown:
9 h 22 min
